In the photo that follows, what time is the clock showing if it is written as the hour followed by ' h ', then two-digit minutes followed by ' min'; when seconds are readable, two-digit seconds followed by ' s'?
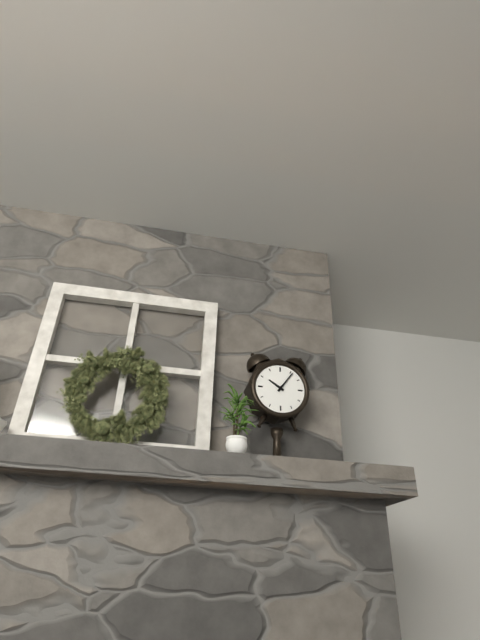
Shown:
10 h 06 min
